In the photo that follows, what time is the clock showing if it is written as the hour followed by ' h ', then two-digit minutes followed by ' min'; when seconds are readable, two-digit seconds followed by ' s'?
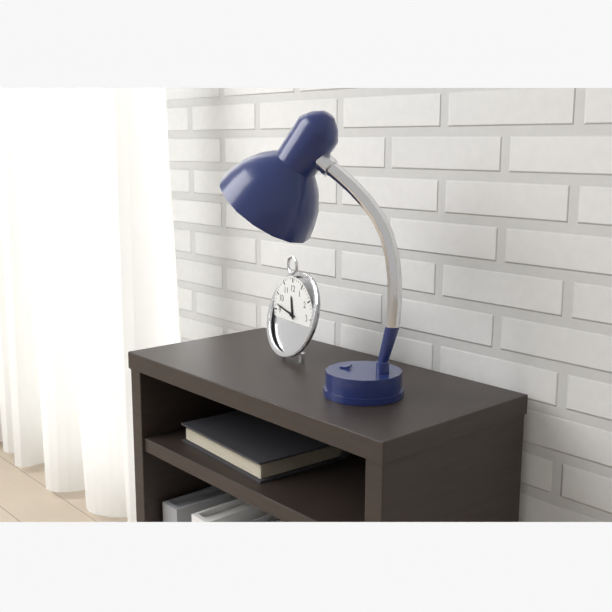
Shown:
11 h 47 min
